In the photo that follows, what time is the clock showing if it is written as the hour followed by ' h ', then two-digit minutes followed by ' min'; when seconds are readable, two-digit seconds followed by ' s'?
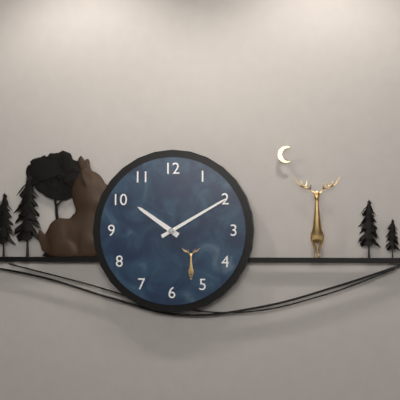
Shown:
10 h 10 min
